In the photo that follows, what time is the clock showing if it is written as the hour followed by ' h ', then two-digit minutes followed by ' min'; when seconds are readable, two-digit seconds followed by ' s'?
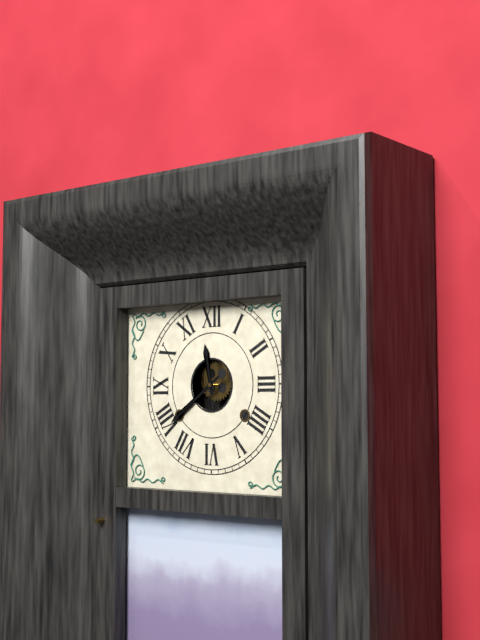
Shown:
11 h 39 min
